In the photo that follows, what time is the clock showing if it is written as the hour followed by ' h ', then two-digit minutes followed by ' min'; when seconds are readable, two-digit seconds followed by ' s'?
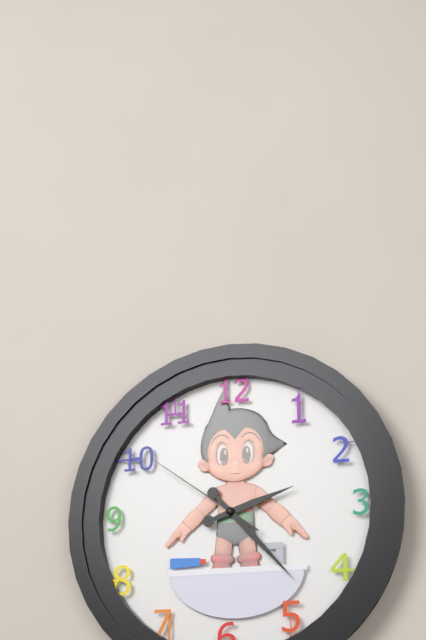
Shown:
2 h 23 min 51 s
